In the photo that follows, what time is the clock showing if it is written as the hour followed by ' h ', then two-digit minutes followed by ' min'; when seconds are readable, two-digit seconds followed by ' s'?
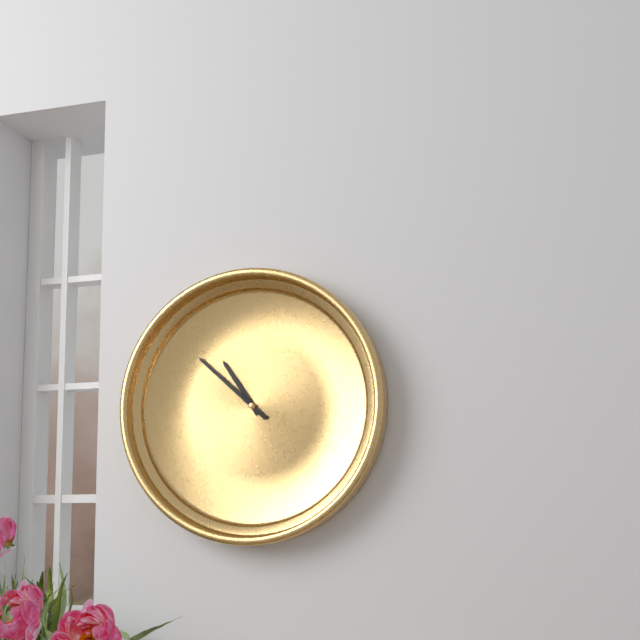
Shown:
10 h 52 min
